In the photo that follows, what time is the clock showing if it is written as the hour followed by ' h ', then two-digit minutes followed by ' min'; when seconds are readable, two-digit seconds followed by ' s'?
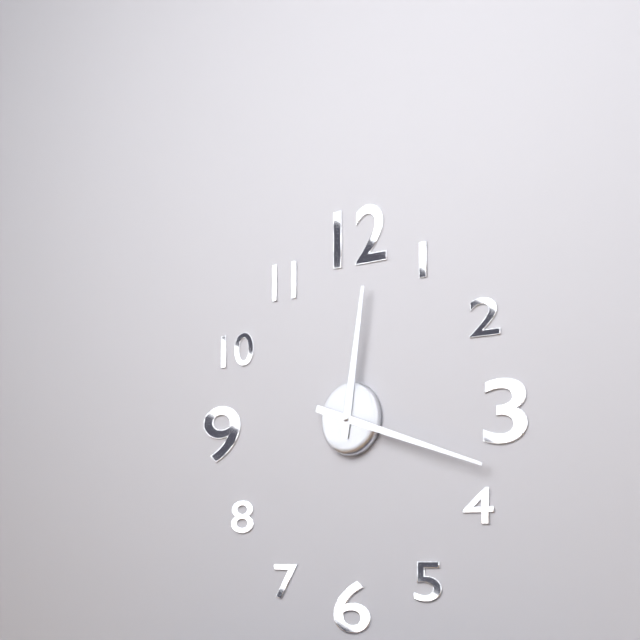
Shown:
12 h 18 min
